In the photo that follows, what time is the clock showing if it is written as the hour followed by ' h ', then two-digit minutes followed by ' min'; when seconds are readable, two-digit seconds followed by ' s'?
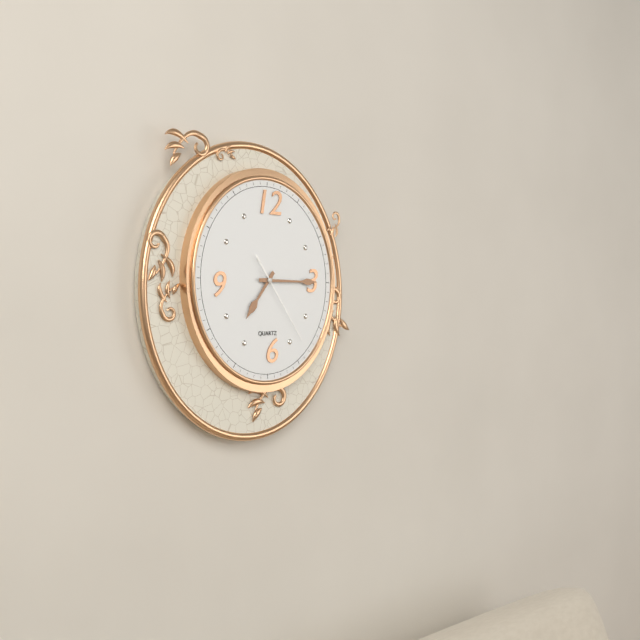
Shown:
7 h 15 min 24 s
